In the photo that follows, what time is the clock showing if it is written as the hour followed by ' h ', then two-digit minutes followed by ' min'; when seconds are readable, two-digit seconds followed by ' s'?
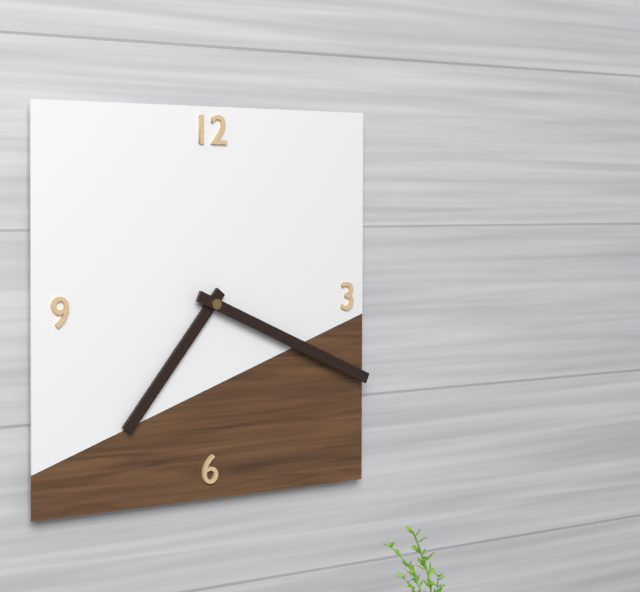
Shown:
7 h 19 min
